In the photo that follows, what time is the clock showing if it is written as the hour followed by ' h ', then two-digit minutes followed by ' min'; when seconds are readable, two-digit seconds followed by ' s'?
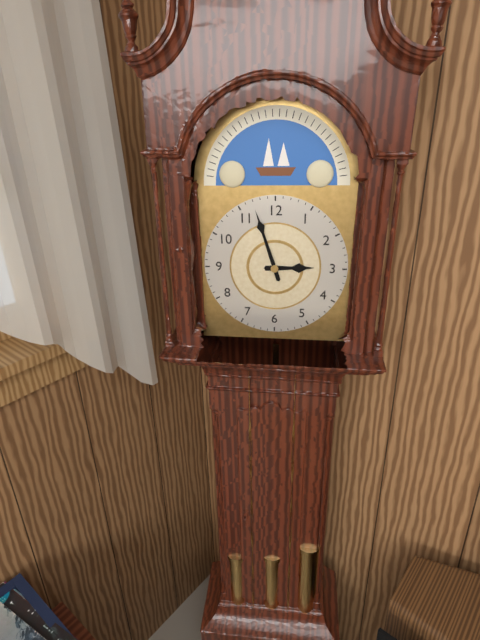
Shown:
2 h 57 min
